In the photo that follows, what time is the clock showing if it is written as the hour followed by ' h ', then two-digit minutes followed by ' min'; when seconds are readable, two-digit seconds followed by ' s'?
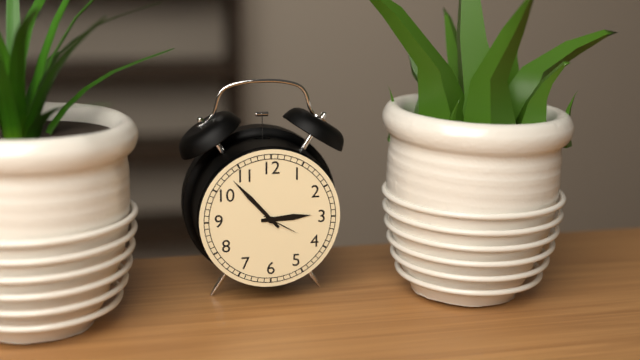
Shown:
2 h 53 min
